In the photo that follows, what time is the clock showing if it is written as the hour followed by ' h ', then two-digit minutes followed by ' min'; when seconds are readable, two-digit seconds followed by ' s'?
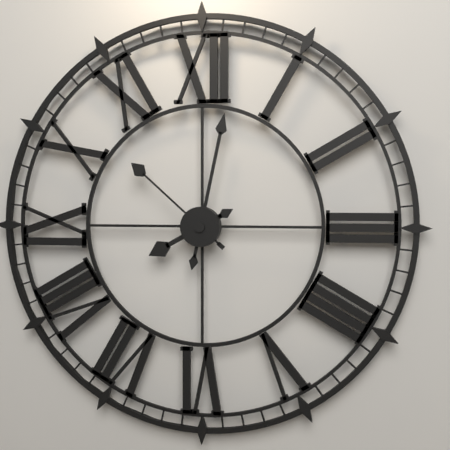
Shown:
8 h 02 min 52 s
